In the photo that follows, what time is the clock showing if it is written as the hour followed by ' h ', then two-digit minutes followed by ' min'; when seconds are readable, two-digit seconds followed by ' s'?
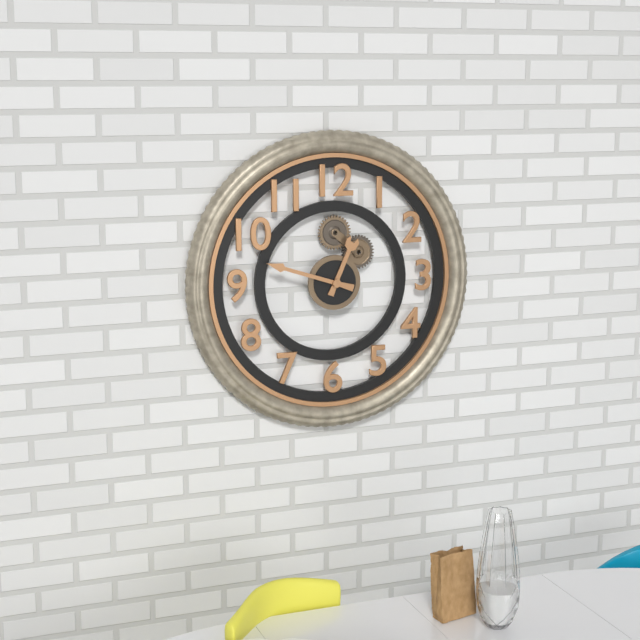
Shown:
12 h 48 min
